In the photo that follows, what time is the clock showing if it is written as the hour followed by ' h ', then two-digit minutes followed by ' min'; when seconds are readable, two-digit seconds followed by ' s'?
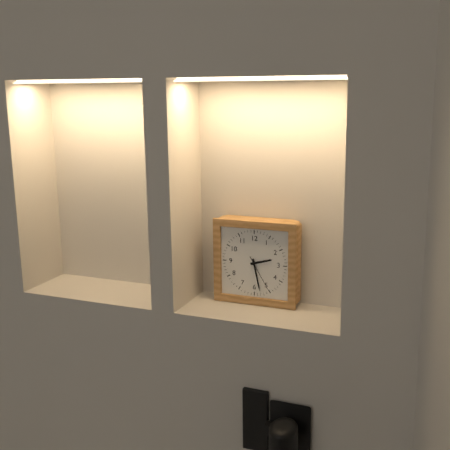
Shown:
2 h 28 min
